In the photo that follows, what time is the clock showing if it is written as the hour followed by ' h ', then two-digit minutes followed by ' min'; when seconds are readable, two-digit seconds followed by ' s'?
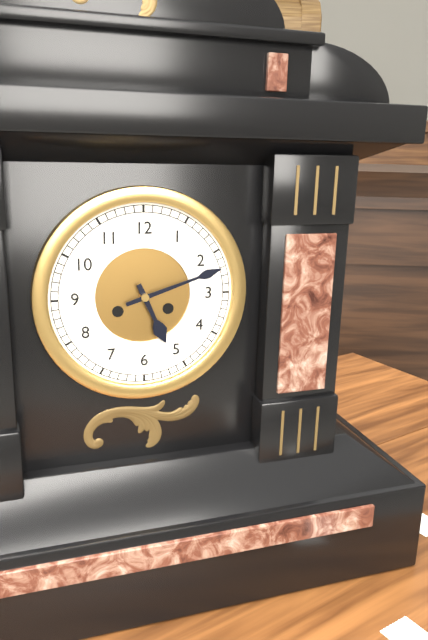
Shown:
5 h 12 min
